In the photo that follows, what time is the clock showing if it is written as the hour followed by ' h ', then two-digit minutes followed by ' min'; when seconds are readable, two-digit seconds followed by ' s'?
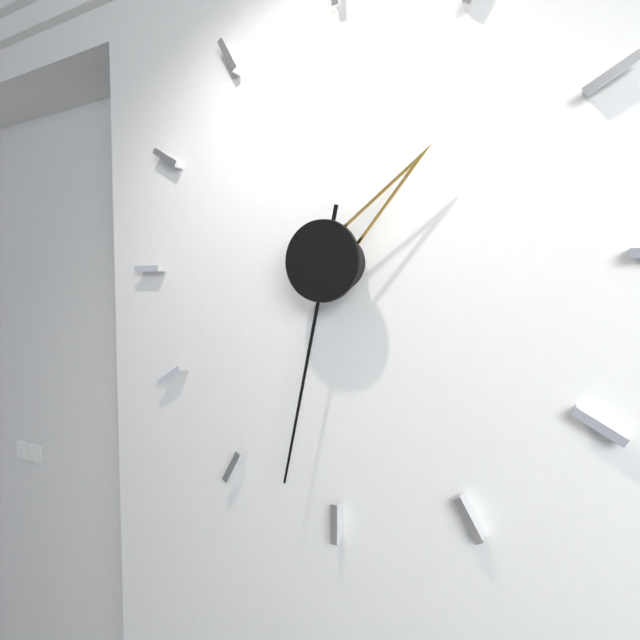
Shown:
1 h 32 min
